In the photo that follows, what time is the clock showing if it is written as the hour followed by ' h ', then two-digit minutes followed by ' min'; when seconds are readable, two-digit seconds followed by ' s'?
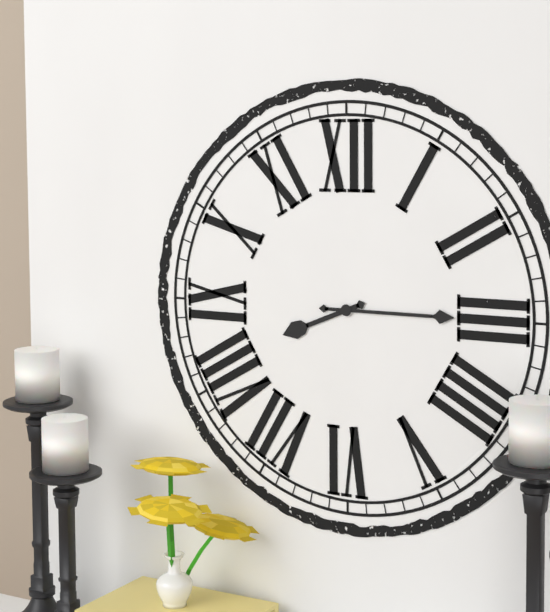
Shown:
8 h 15 min
